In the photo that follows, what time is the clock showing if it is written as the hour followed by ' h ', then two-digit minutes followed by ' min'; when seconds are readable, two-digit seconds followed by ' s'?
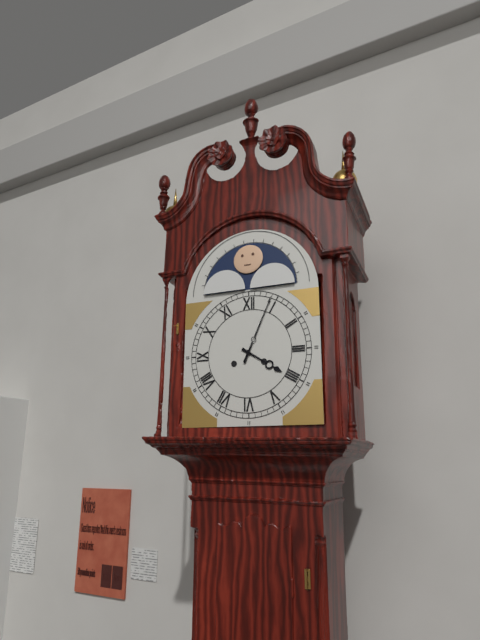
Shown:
4 h 04 min
